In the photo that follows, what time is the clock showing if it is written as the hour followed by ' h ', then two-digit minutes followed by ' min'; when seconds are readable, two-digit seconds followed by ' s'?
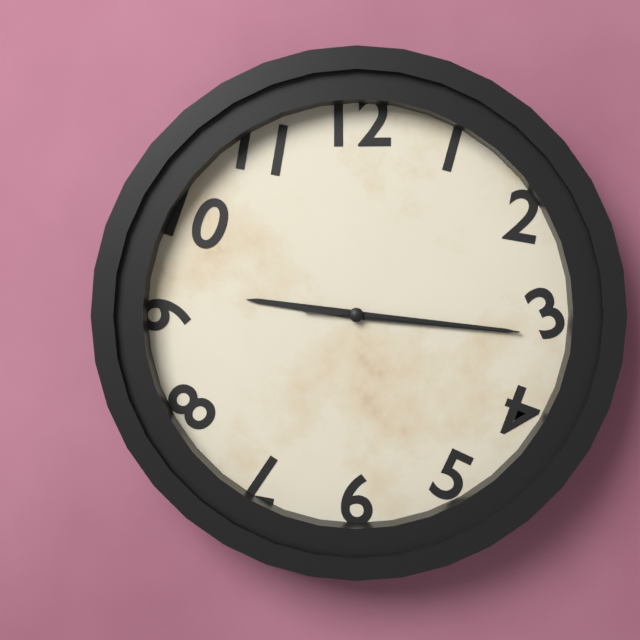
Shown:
9 h 16 min 16 s
